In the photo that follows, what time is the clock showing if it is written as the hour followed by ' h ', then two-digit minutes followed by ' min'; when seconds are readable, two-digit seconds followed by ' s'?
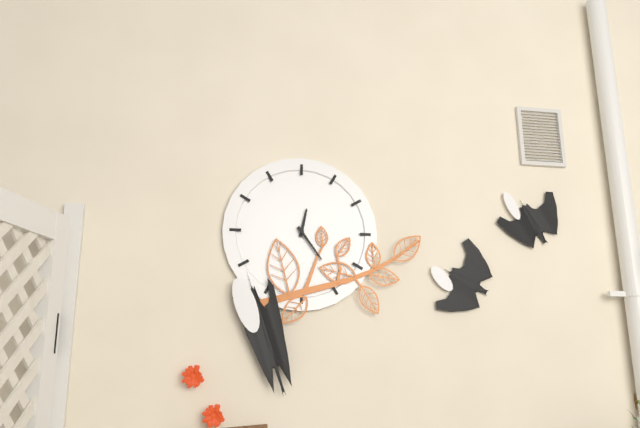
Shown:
12 h 24 min
